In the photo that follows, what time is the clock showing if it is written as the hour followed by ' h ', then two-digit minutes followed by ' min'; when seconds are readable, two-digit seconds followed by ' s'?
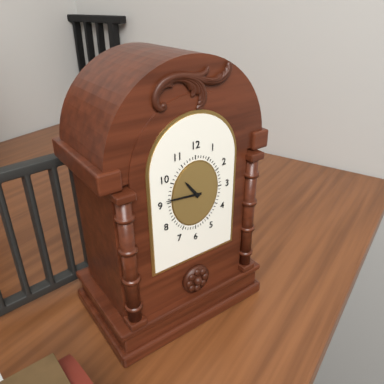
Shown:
10 h 46 min
